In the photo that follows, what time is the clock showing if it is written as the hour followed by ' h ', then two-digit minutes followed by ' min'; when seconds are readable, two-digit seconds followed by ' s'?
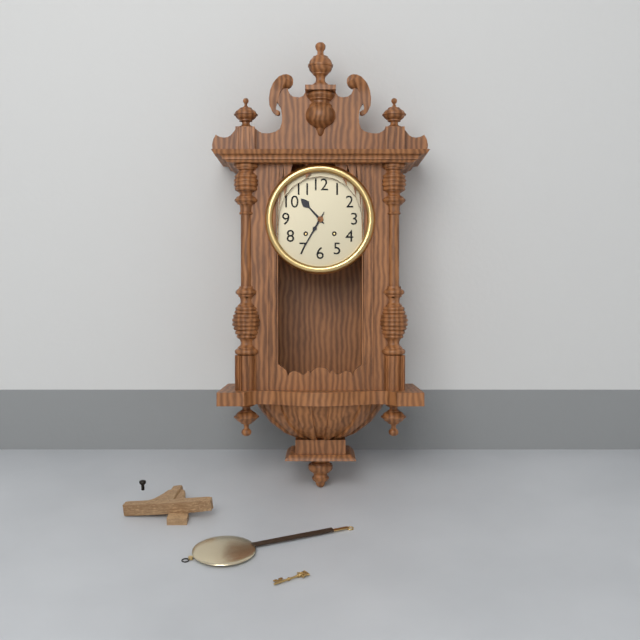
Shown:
10 h 35 min
